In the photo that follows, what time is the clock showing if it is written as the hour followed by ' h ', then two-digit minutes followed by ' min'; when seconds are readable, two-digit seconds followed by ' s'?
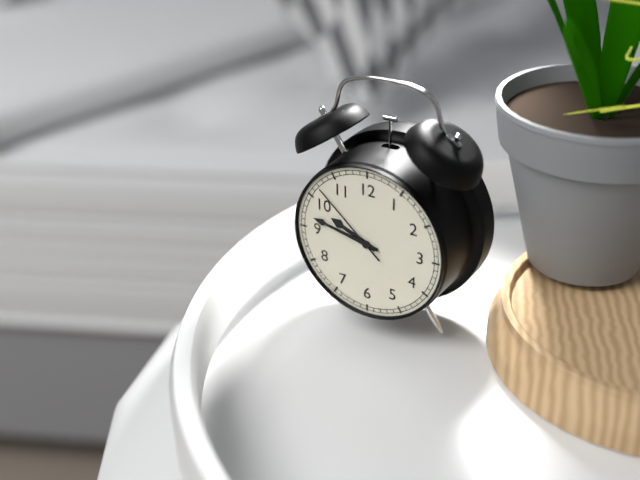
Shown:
9 h 47 min 52 s
